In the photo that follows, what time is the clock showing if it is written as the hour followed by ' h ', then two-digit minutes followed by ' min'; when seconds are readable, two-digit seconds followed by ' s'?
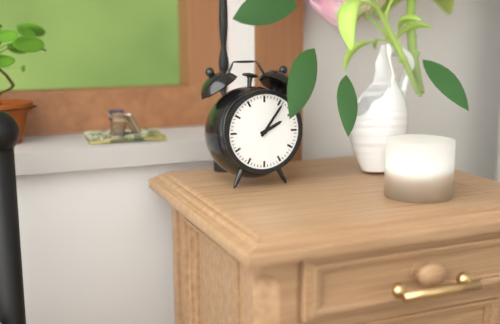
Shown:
2 h 06 min
